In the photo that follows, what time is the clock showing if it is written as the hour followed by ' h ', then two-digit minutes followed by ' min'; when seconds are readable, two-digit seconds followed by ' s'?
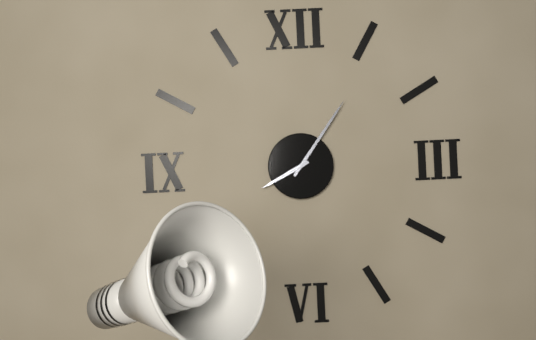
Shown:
8 h 06 min
